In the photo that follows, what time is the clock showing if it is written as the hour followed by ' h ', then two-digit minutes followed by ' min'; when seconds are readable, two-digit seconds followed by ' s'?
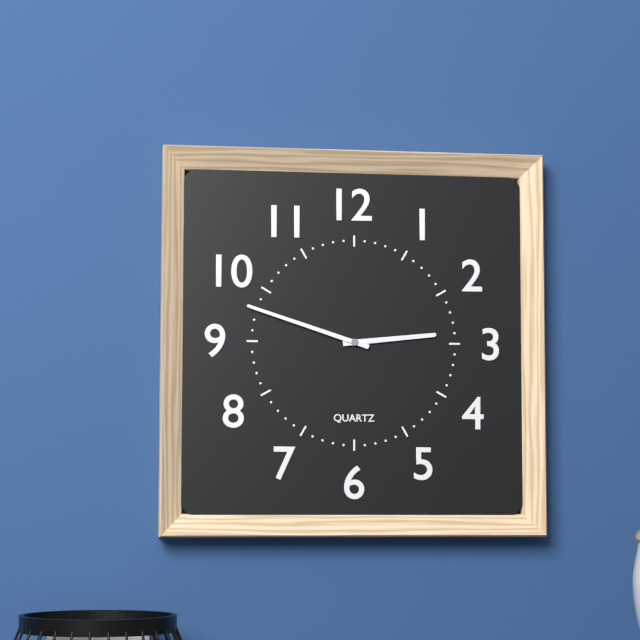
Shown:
2 h 48 min
